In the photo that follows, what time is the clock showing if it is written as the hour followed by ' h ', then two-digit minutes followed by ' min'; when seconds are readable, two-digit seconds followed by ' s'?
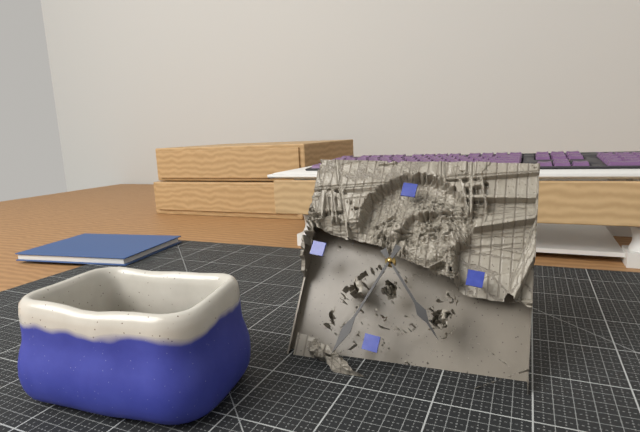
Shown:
4 h 33 min
